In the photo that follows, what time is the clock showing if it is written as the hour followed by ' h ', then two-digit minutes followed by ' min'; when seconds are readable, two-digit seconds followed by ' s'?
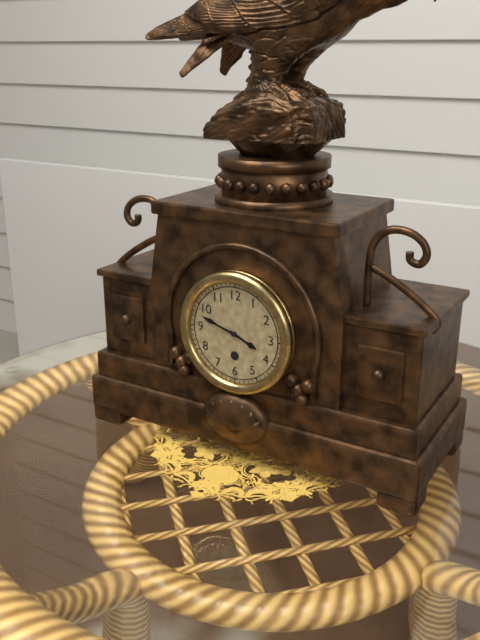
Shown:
3 h 48 min
